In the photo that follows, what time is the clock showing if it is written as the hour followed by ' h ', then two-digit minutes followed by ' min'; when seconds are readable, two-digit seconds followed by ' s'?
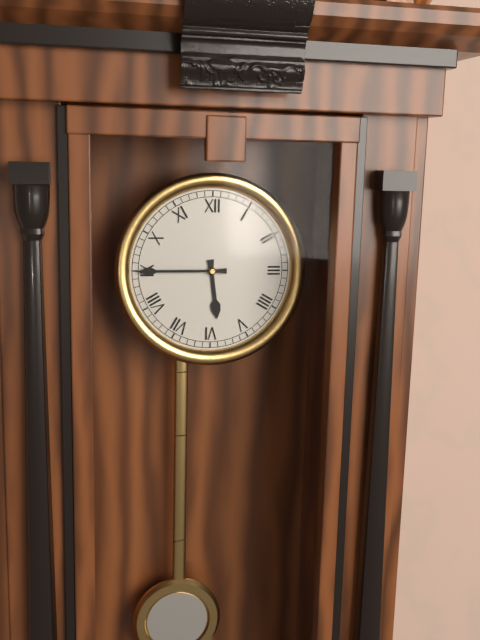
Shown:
5 h 45 min
